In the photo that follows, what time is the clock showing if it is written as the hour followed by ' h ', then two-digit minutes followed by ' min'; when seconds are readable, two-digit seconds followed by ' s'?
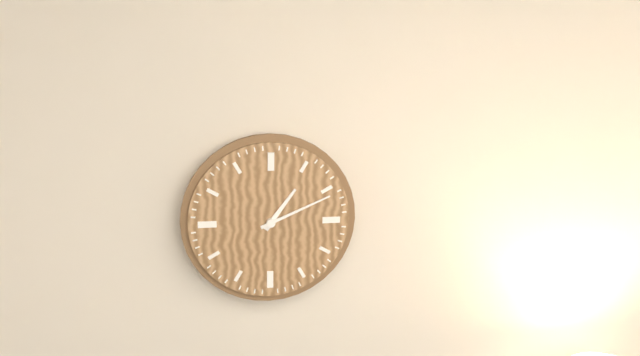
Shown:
1 h 11 min
